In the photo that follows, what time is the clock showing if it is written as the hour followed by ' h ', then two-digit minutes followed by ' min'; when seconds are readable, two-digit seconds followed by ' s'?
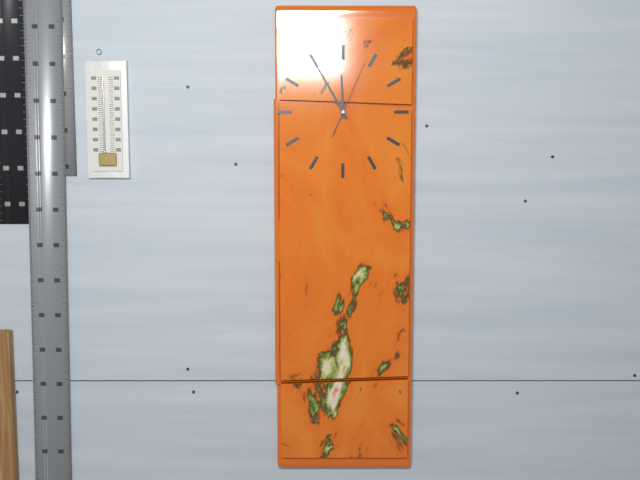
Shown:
11 h 55 min 04 s
